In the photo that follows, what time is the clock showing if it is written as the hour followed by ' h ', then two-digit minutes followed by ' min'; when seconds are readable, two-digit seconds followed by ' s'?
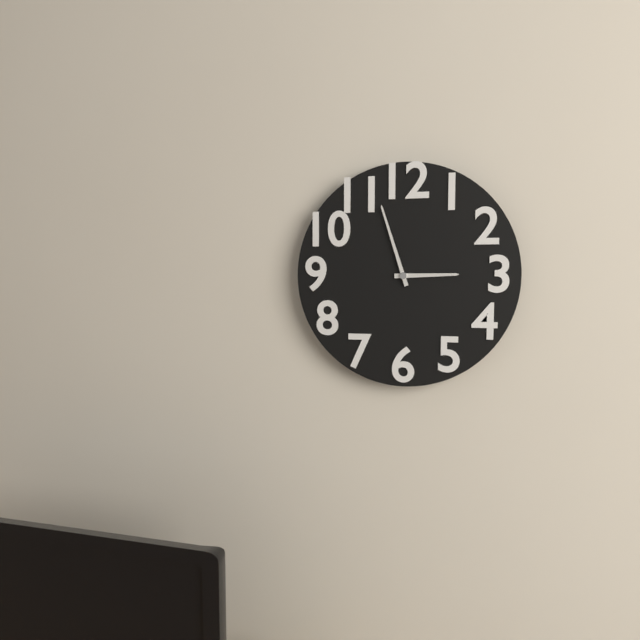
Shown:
2 h 57 min
